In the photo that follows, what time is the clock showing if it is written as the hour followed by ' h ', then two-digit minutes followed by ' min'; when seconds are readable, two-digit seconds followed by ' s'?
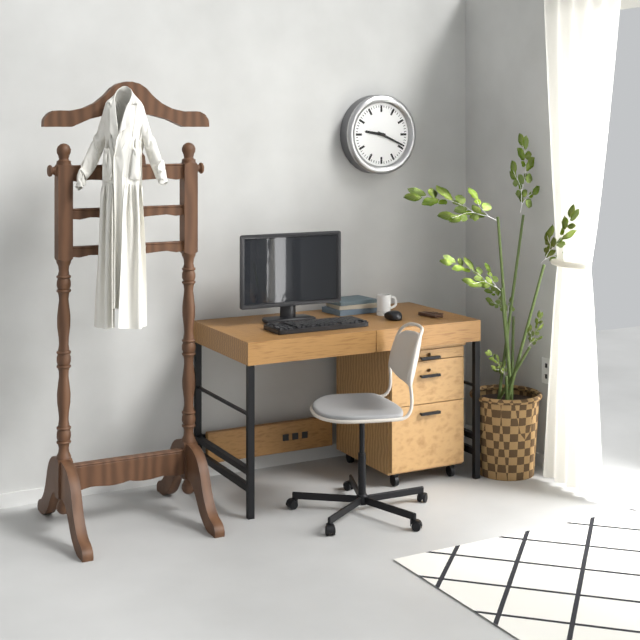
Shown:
9 h 19 min
